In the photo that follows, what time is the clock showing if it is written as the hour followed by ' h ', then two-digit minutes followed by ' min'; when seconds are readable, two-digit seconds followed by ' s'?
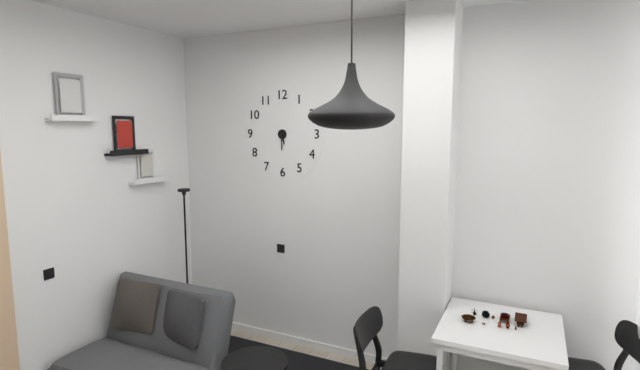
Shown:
5 h 30 min
